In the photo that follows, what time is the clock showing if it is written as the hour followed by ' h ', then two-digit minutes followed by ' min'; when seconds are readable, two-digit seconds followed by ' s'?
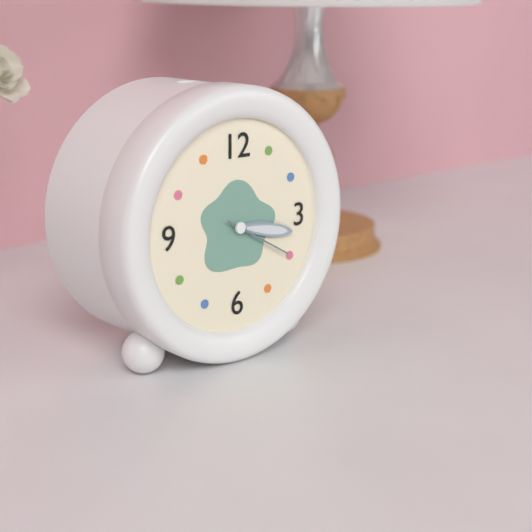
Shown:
3 h 17 min 20 s
